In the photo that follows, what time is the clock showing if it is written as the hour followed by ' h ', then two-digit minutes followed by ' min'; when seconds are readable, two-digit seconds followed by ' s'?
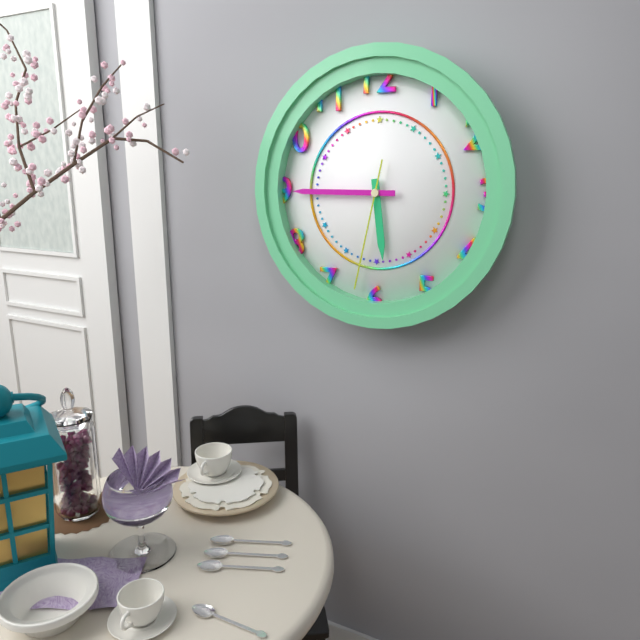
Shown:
5 h 45 min 32 s
